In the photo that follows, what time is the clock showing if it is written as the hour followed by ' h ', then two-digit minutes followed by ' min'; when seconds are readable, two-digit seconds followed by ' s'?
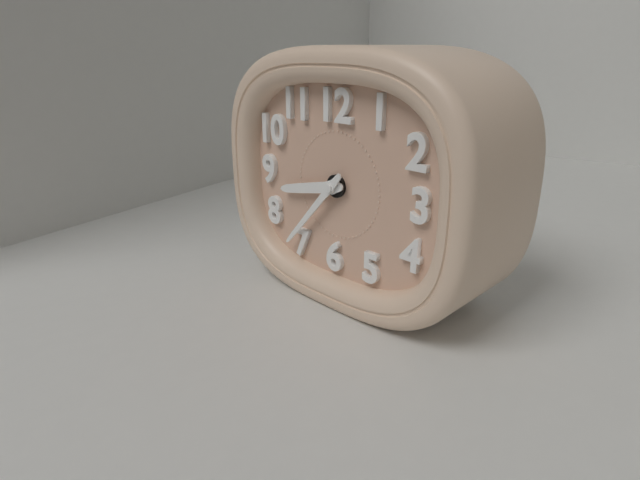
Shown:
8 h 37 min
